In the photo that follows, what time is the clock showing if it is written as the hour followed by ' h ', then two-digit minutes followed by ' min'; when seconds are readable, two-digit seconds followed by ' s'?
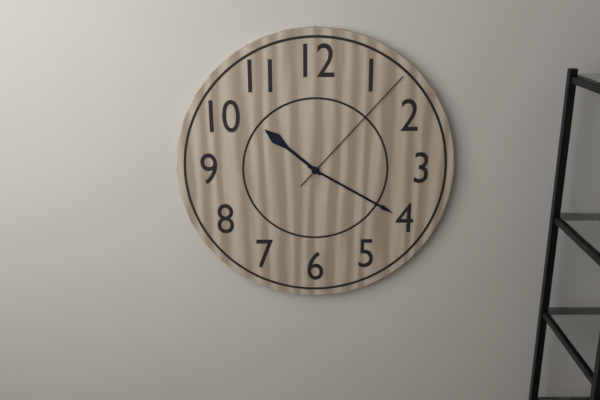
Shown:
10 h 20 min 07 s
